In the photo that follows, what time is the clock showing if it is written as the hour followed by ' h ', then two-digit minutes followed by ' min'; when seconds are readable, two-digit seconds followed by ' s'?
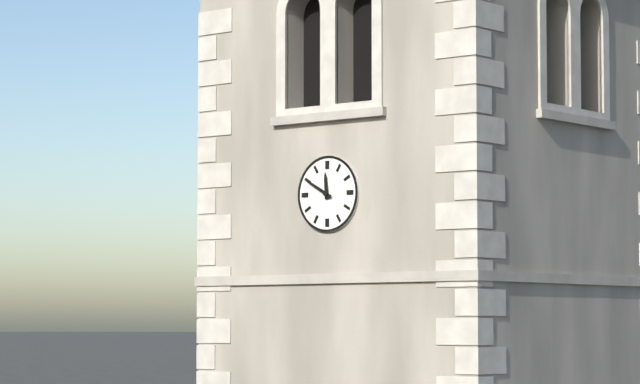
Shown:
11 h 50 min
